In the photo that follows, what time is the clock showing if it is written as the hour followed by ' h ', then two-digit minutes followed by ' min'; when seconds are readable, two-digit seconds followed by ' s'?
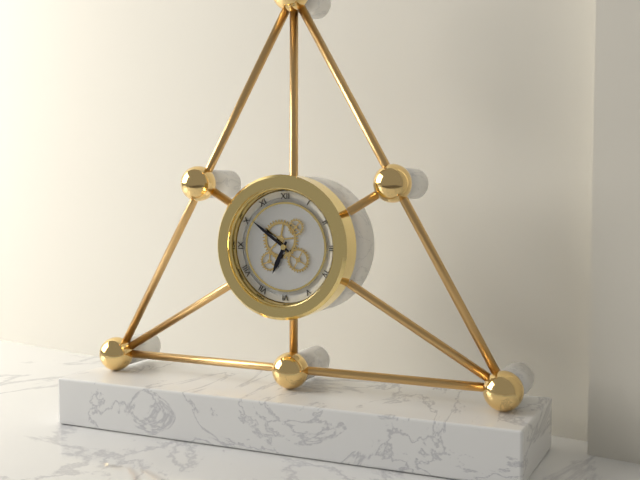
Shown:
6 h 51 min
